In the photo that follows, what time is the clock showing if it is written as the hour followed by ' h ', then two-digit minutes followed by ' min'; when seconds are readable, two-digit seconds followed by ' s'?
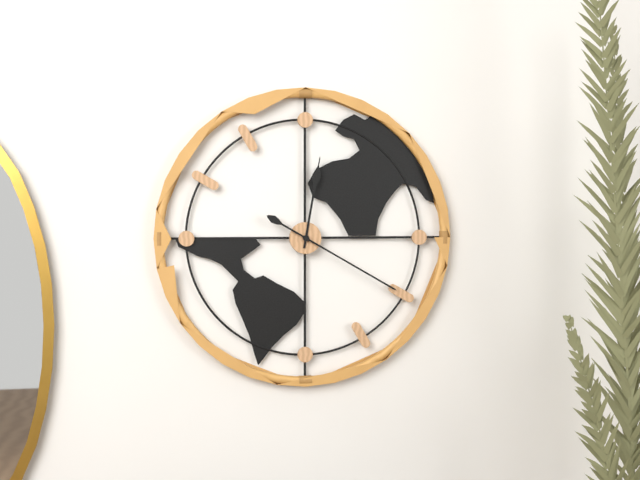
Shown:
12 h 20 min
